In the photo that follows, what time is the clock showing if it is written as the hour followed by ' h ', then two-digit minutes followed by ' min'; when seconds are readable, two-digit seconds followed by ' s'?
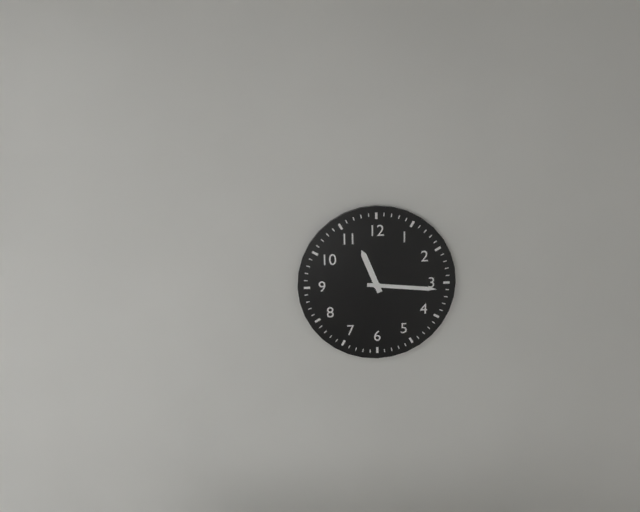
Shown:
11 h 16 min
